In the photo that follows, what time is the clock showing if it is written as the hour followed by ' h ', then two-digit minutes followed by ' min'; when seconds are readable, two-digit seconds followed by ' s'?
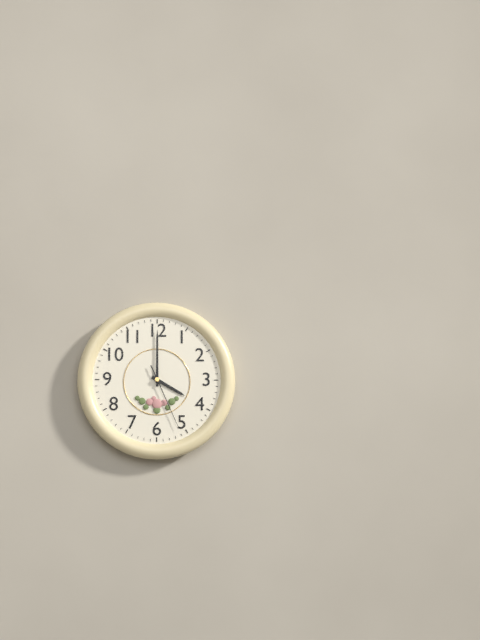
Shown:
4 h 00 min 26 s
